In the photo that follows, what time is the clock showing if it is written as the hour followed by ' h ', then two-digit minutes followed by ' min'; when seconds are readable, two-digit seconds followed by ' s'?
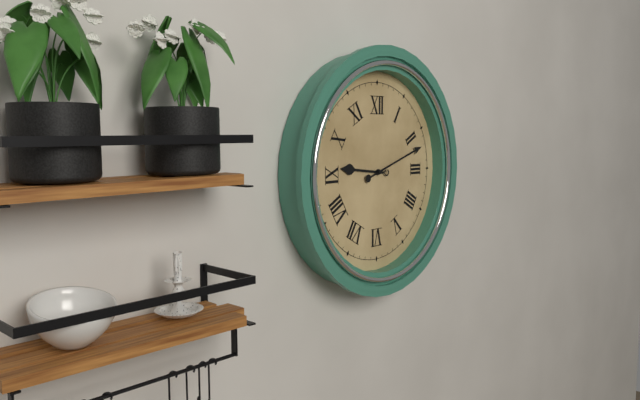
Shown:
9 h 12 min
